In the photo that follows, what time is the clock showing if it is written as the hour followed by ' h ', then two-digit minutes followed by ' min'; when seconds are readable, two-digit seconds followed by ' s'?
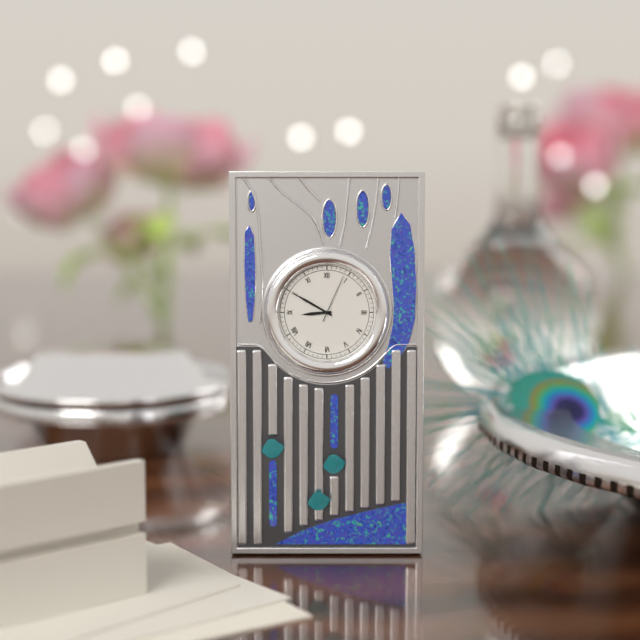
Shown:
8 h 50 min 04 s
